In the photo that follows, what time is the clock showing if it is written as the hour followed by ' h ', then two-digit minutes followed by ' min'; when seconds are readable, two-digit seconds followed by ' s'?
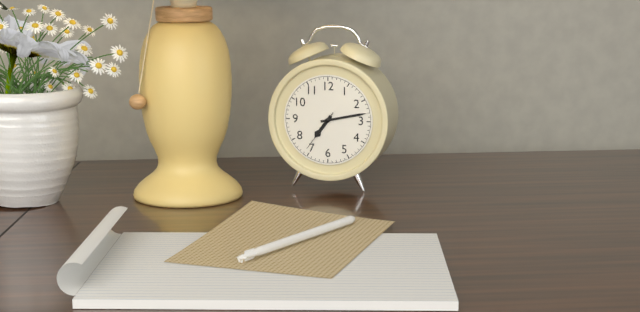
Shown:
7 h 13 min
